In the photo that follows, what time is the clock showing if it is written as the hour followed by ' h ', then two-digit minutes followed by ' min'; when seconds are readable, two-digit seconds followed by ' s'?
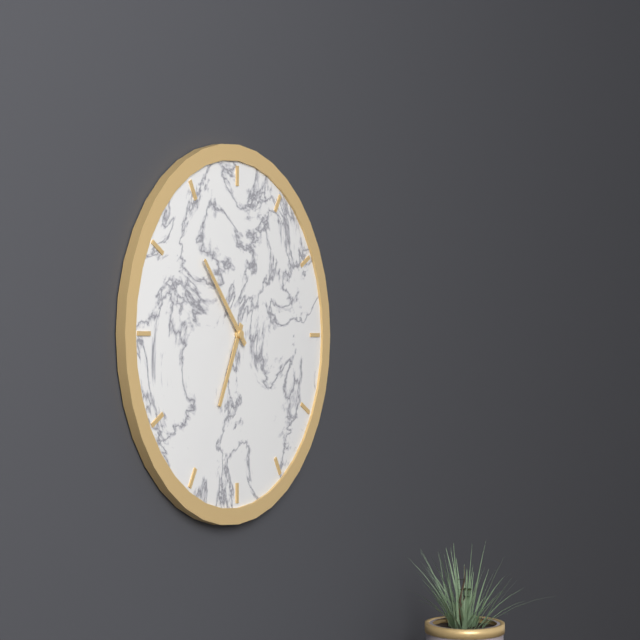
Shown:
6 h 53 min
